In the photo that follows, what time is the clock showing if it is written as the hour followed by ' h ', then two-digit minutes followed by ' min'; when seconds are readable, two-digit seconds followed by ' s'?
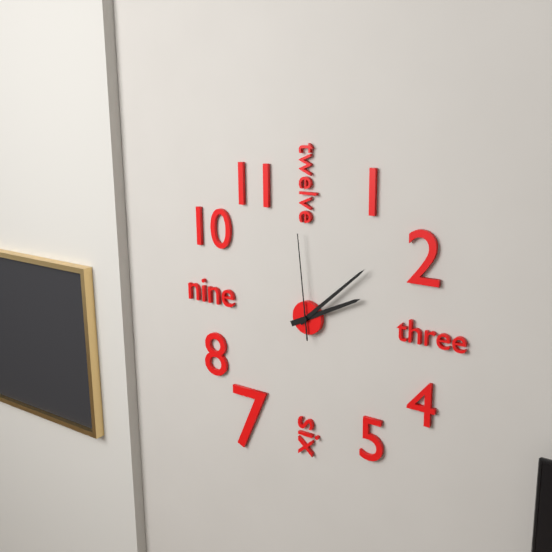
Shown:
2 h 08 min 59 s
